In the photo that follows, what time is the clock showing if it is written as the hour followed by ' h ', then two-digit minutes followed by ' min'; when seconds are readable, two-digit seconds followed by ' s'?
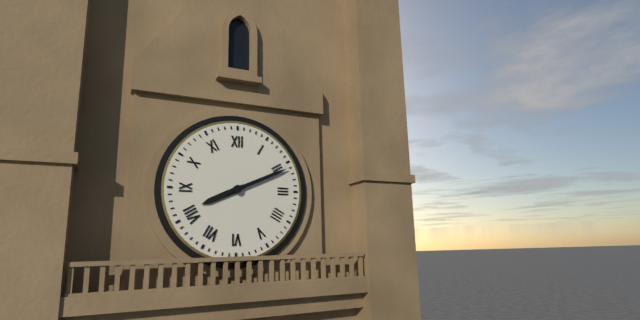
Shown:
8 h 11 min
